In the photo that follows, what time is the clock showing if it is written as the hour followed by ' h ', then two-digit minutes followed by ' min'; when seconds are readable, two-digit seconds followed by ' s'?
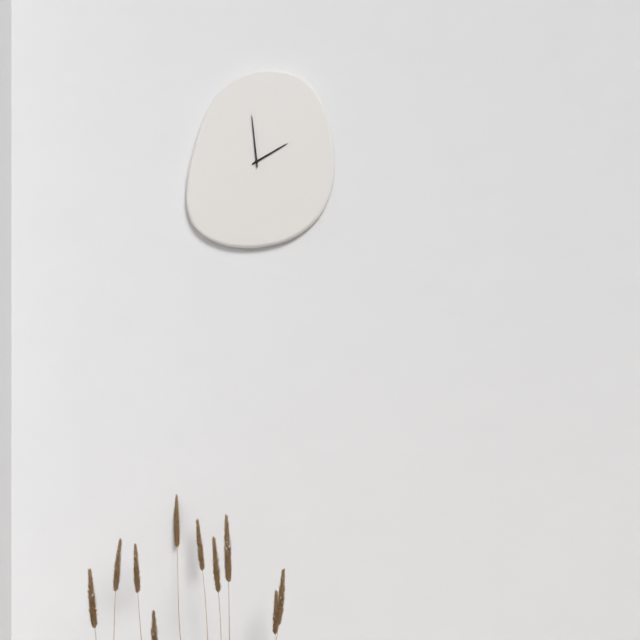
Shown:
1 h 59 min
